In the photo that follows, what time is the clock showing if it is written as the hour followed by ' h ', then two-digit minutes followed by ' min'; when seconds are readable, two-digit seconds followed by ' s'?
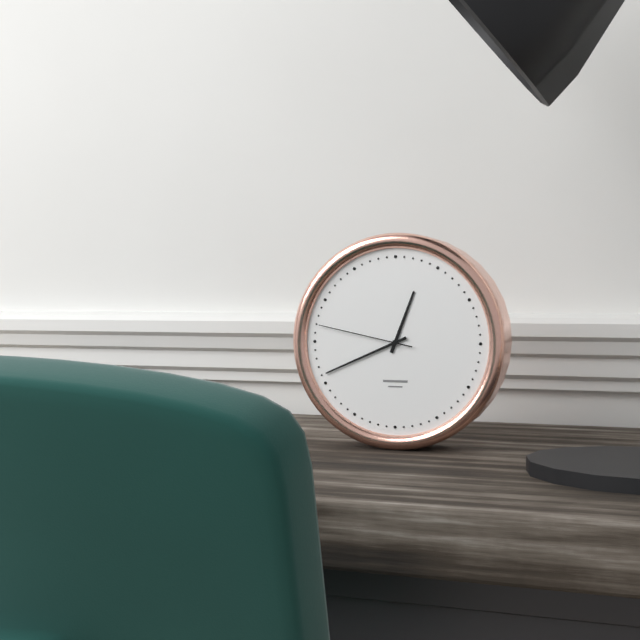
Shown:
12 h 41 min 47 s
